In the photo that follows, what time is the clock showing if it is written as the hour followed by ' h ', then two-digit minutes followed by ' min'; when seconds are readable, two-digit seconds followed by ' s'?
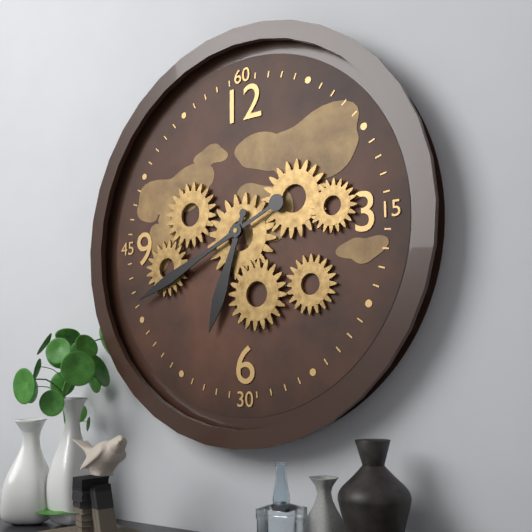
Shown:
6 h 41 min
